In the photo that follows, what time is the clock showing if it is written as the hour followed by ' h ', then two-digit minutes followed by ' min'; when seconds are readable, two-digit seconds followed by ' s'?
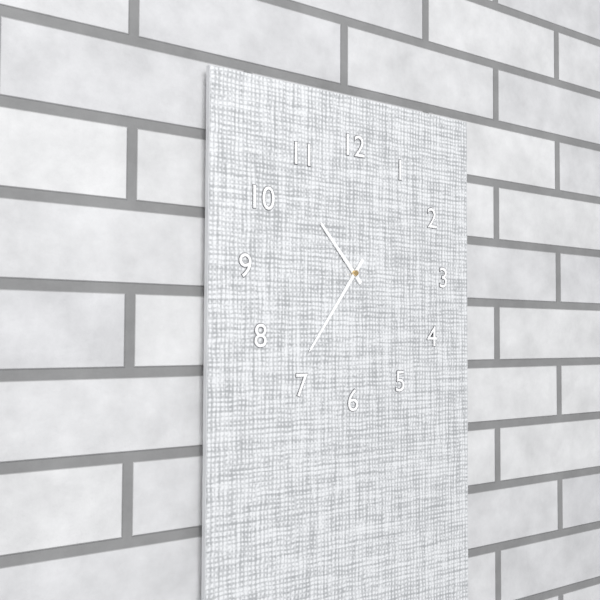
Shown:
10 h 36 min
